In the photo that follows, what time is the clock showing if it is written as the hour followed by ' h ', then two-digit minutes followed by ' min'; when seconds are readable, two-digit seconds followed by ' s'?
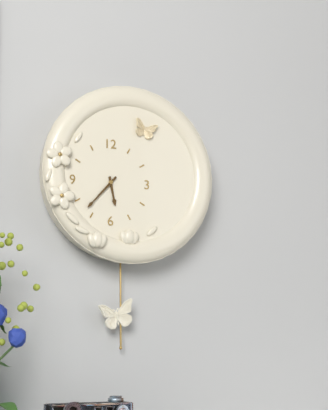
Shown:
5 h 37 min
